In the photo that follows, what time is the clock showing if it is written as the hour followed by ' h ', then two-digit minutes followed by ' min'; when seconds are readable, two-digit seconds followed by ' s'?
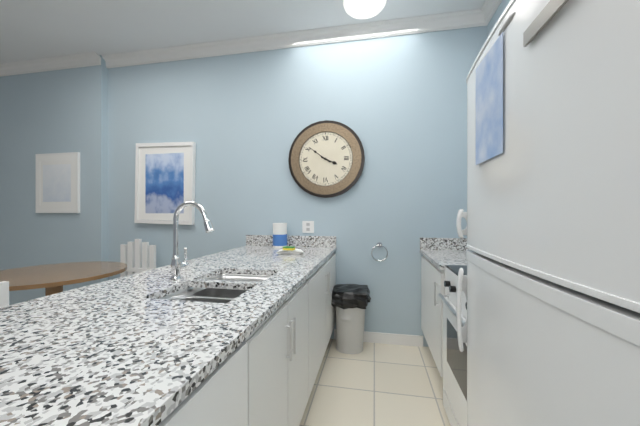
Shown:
3 h 51 min
